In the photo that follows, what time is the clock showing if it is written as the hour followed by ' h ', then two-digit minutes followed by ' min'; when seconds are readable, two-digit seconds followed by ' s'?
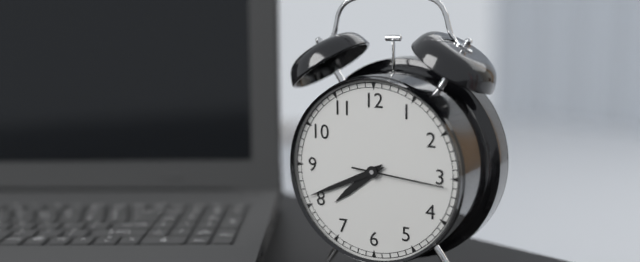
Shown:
7 h 41 min 16 s
